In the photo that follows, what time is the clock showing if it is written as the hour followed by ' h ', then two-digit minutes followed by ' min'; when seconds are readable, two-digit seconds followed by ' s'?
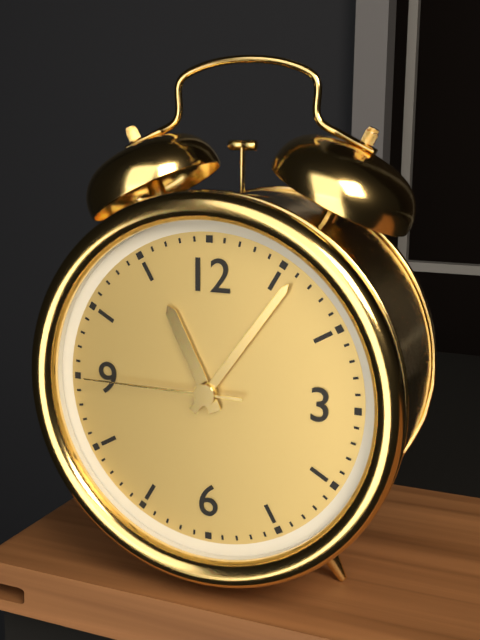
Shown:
11 h 06 min 45 s
